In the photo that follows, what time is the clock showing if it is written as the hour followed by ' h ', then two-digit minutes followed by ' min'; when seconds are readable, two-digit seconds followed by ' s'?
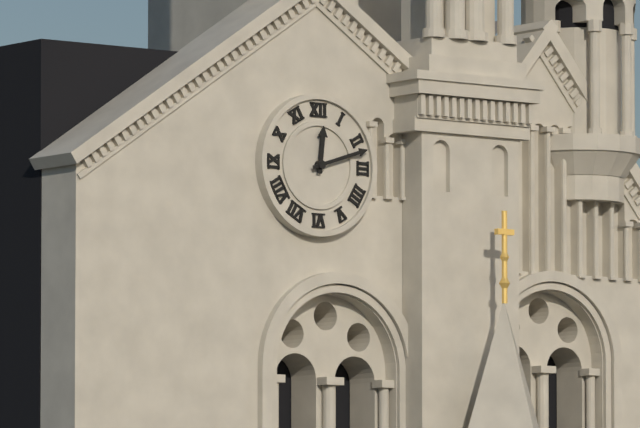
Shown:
12 h 12 min
